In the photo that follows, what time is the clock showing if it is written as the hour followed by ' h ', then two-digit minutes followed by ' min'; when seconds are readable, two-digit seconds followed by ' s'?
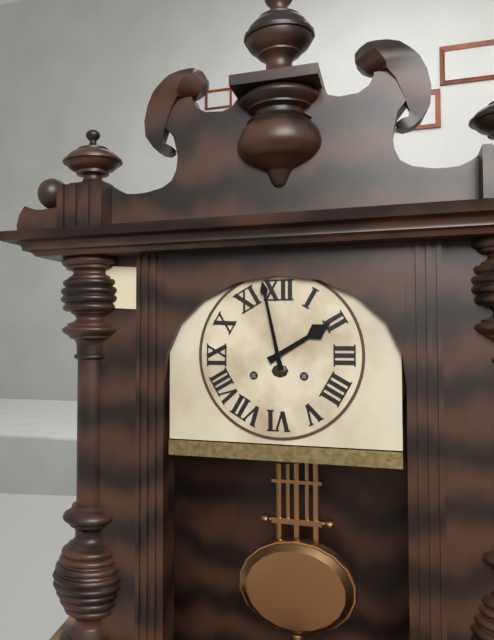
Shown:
1 h 58 min
